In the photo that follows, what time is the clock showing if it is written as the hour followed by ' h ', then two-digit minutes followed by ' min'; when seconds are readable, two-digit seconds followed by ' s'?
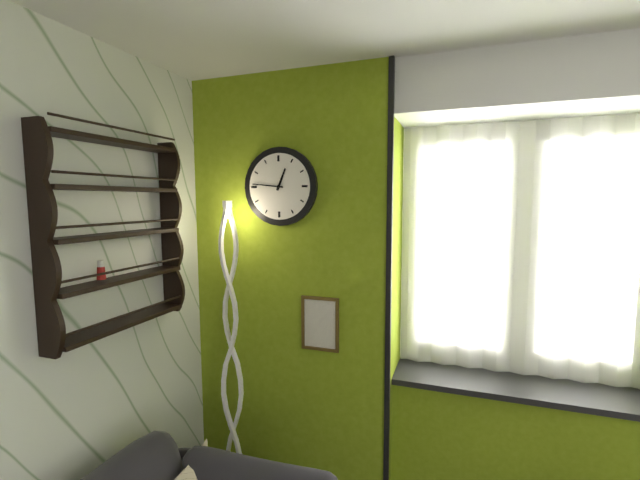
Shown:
12 h 46 min
